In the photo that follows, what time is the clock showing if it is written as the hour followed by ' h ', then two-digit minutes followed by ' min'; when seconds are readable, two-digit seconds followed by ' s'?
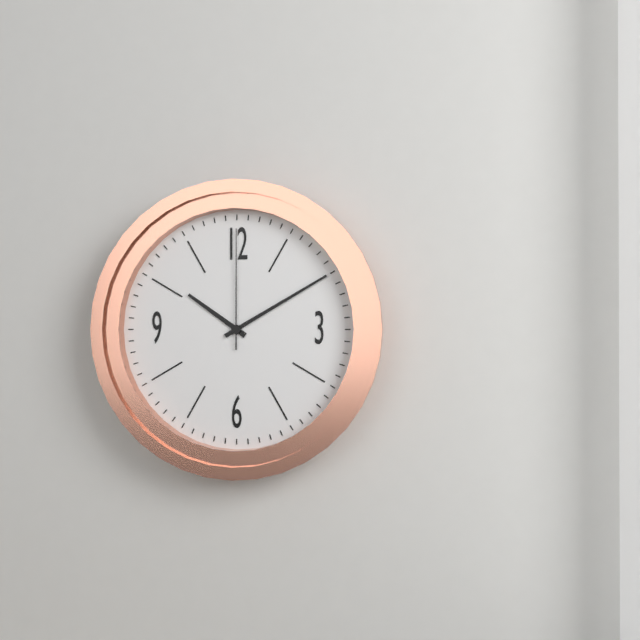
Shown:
10 h 10 min 00 s
